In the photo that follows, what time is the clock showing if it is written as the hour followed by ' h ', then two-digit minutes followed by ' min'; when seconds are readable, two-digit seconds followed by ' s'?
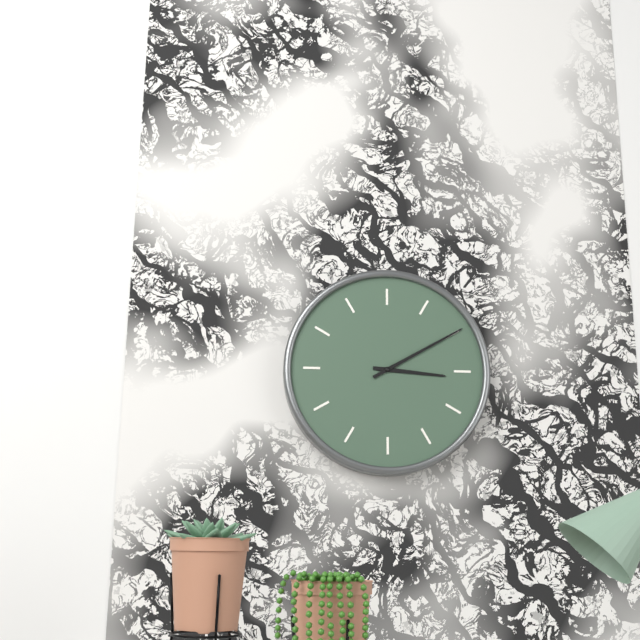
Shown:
3 h 10 min
